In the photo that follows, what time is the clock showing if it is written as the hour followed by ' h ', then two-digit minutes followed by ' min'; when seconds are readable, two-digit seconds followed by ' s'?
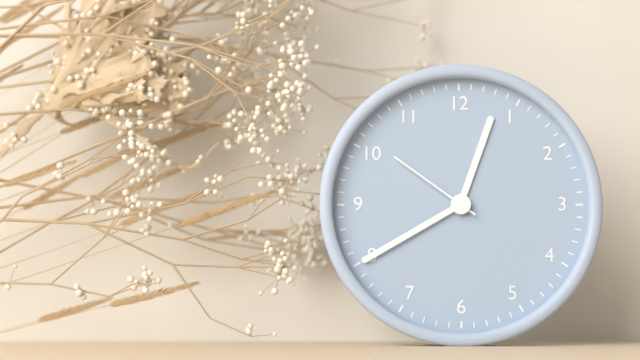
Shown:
12 h 40 min 51 s
